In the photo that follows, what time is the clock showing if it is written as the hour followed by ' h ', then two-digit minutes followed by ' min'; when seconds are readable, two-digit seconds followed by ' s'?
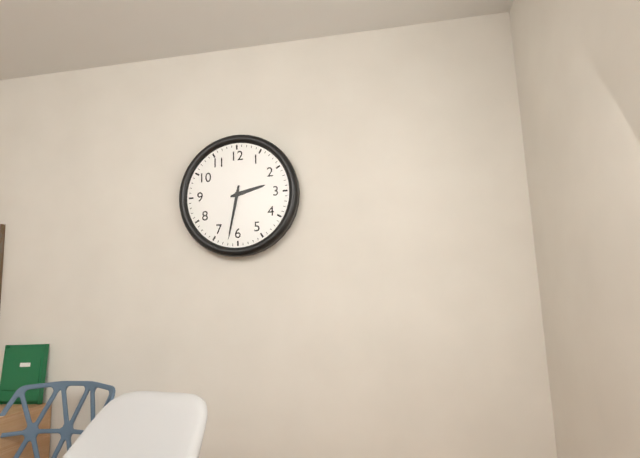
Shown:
2 h 32 min
